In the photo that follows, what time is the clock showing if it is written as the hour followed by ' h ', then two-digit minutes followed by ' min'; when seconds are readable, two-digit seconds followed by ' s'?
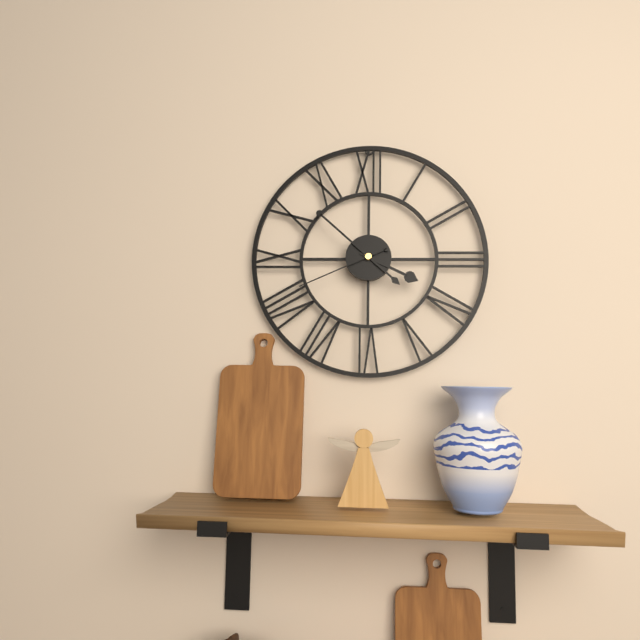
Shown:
3 h 52 min 41 s
